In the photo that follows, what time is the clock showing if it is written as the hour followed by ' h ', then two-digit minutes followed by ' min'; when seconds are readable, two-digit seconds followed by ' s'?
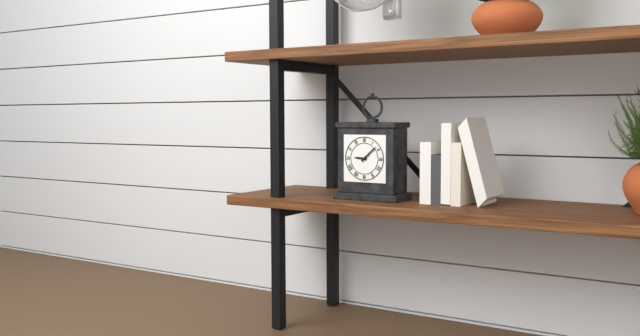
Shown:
9 h 08 min
